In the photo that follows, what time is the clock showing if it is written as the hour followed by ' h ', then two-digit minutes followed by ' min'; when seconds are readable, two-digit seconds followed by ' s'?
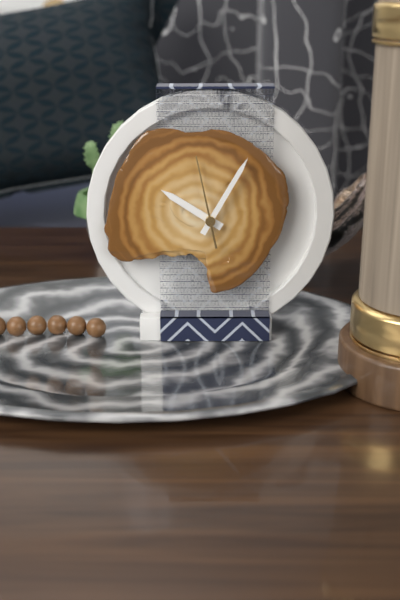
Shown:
10 h 05 min 58 s
